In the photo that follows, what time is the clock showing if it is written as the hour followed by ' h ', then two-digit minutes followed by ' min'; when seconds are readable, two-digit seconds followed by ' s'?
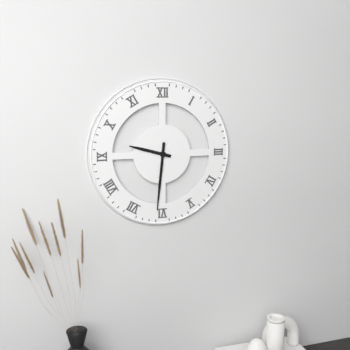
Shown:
9 h 31 min
